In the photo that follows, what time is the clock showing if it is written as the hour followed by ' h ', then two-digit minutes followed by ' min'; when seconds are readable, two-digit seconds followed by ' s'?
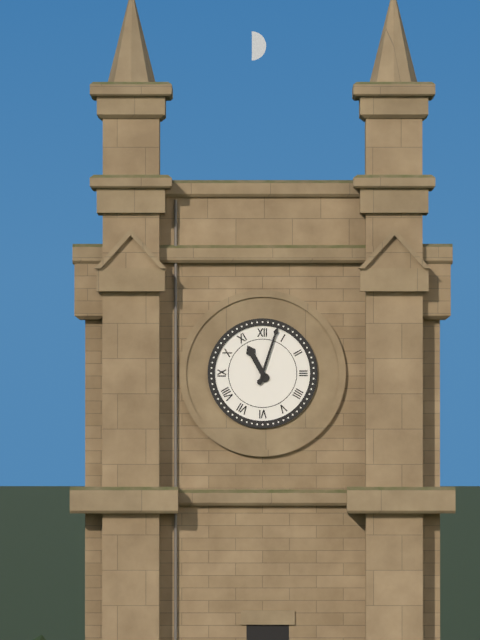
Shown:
11 h 03 min
